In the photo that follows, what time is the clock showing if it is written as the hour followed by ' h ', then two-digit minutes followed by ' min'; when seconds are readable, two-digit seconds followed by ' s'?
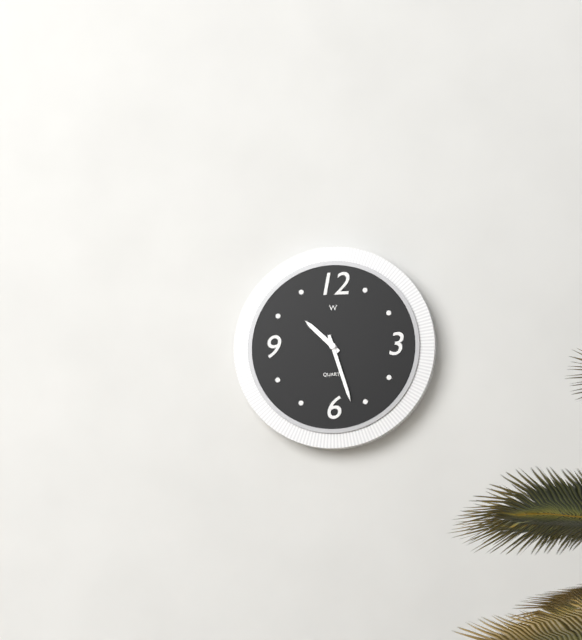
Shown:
10 h 27 min
